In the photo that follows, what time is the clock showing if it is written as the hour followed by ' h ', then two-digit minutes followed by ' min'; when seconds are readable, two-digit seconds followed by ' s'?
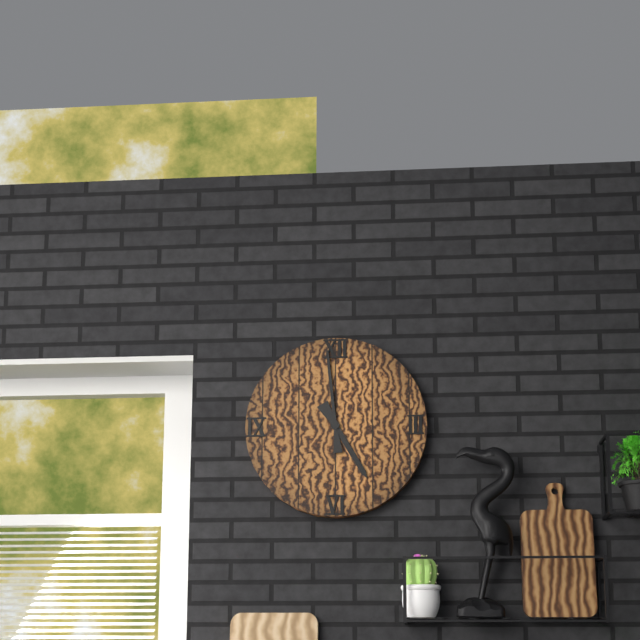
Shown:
4 h 59 min
